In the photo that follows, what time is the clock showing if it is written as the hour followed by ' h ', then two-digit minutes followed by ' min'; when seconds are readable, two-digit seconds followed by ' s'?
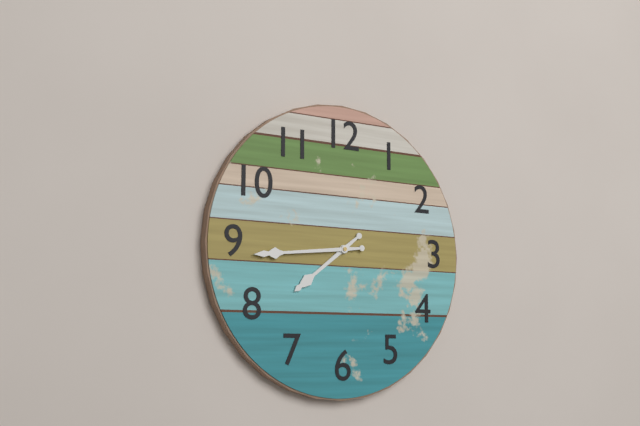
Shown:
7 h 44 min
